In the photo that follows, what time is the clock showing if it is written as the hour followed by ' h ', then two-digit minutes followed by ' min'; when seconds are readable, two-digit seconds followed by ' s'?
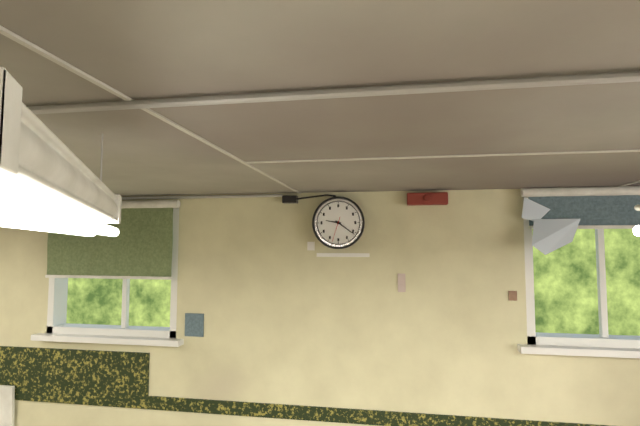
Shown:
9 h 21 min
